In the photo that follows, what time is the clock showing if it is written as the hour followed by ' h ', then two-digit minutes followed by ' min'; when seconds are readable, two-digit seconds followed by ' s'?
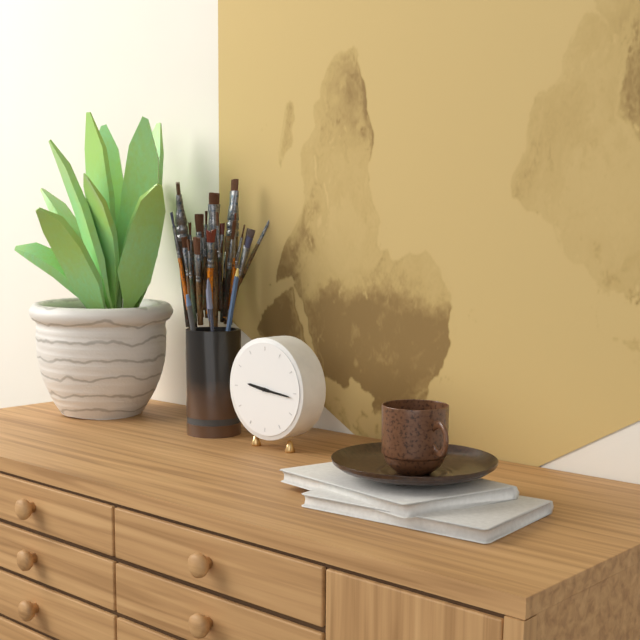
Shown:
9 h 16 min
